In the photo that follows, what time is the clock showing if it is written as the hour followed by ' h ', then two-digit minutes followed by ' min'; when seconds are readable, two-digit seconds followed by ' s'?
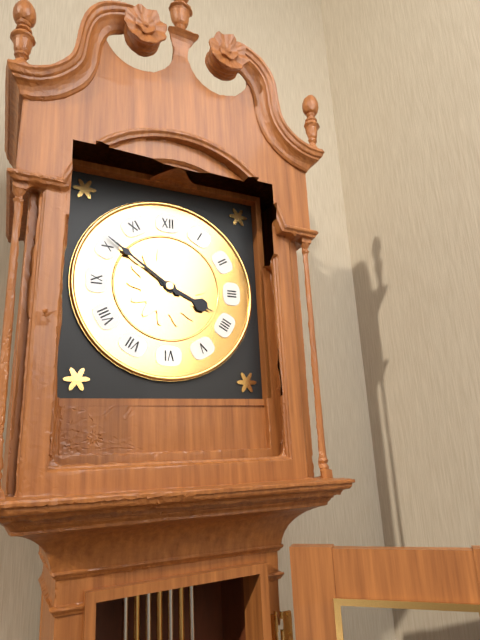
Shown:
3 h 51 min
